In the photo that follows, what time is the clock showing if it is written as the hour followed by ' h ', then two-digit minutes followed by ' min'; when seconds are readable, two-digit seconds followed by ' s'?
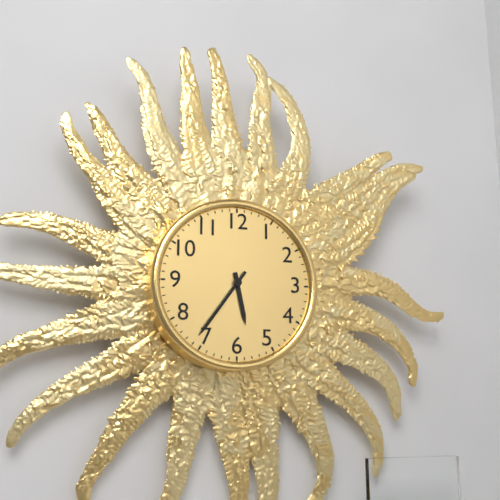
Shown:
5 h 36 min
